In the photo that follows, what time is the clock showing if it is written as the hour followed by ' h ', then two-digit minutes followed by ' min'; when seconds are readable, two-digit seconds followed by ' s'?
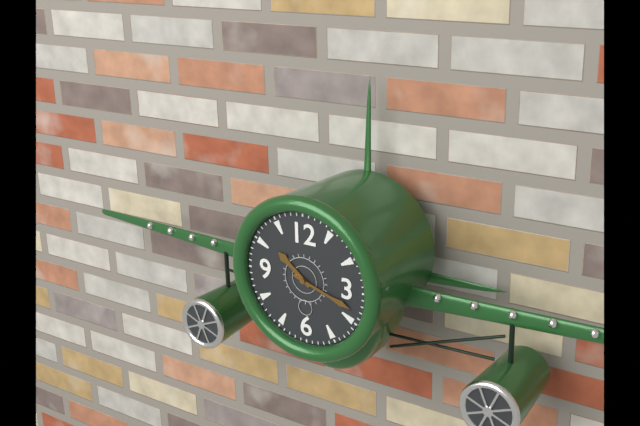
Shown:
10 h 18 min
